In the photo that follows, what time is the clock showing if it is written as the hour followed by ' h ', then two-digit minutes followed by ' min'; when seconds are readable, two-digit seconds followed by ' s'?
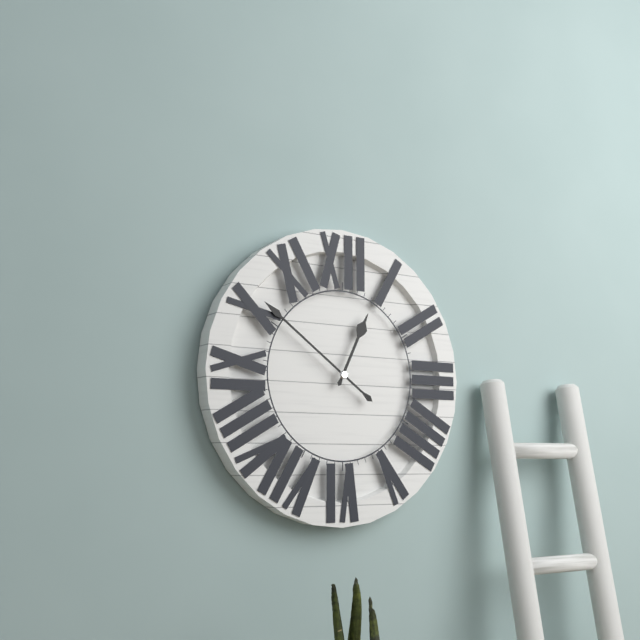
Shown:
12 h 51 min
